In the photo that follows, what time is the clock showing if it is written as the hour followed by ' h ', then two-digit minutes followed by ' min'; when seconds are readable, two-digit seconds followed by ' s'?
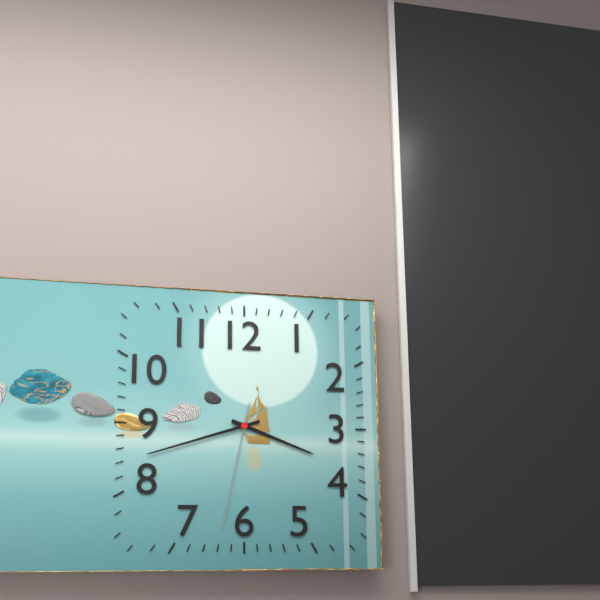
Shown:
3 h 42 min 32 s
